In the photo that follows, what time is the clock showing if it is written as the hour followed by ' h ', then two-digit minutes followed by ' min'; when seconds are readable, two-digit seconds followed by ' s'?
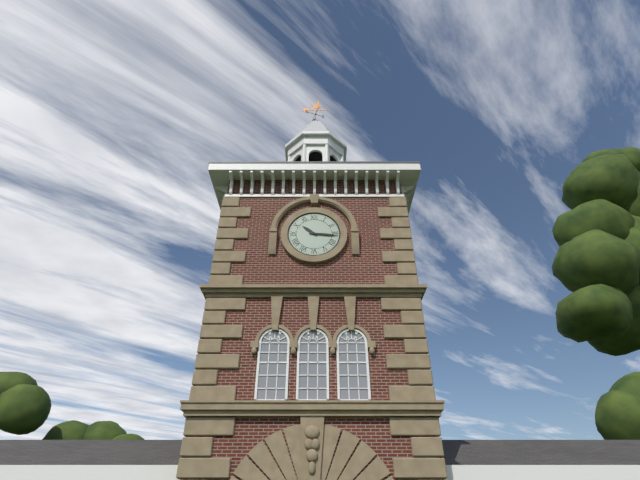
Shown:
10 h 16 min
